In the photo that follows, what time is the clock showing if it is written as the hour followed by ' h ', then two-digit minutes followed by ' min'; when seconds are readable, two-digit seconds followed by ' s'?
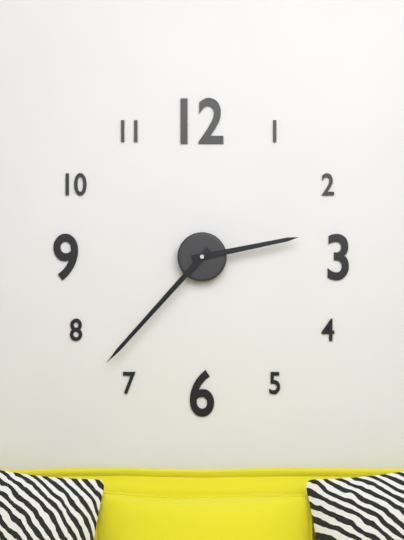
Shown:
2 h 37 min
